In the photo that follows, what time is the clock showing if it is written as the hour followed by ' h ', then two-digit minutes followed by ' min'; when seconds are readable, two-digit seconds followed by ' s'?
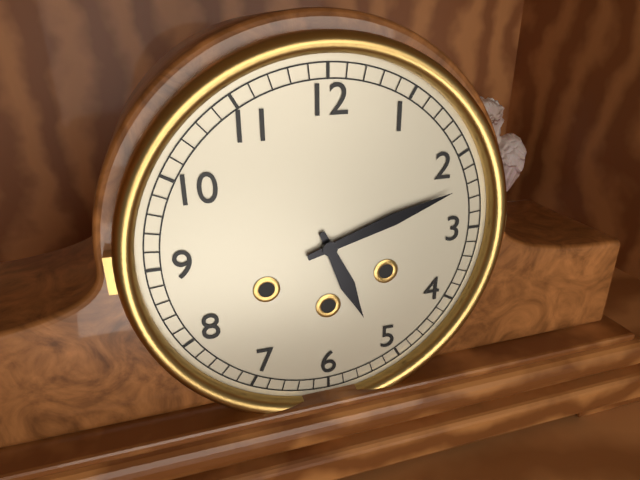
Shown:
5 h 12 min
